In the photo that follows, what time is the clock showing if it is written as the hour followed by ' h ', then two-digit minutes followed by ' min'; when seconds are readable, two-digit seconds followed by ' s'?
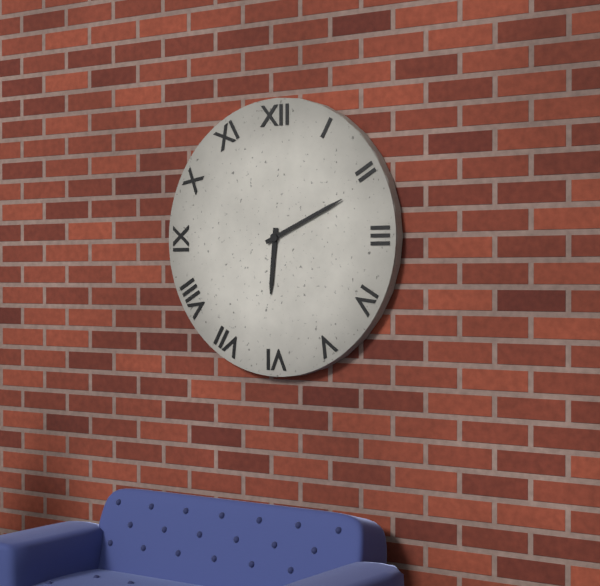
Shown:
6 h 11 min
